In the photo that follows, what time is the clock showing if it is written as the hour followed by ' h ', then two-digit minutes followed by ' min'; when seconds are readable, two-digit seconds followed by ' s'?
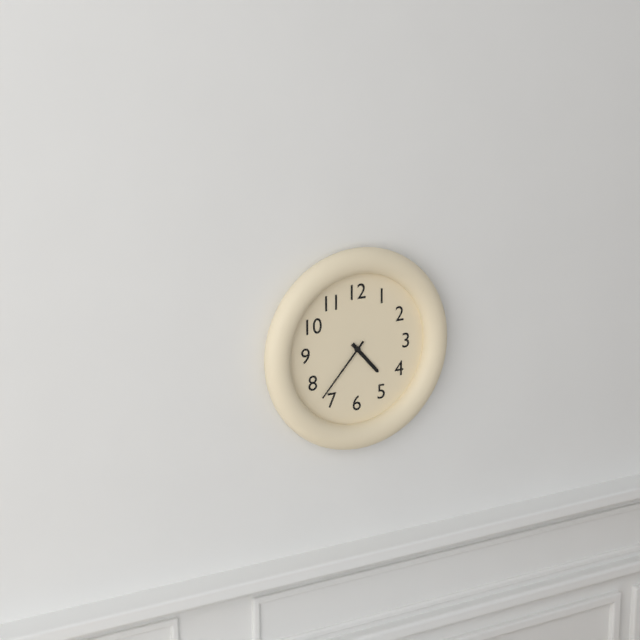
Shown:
4 h 37 min
